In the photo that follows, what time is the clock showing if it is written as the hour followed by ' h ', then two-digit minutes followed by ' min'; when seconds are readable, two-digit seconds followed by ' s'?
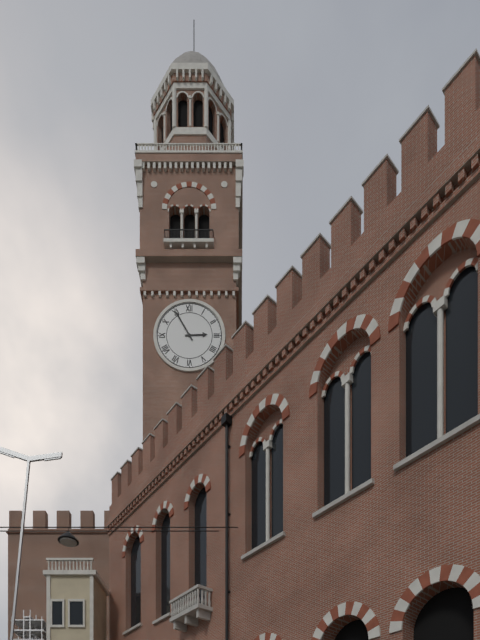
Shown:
2 h 55 min
